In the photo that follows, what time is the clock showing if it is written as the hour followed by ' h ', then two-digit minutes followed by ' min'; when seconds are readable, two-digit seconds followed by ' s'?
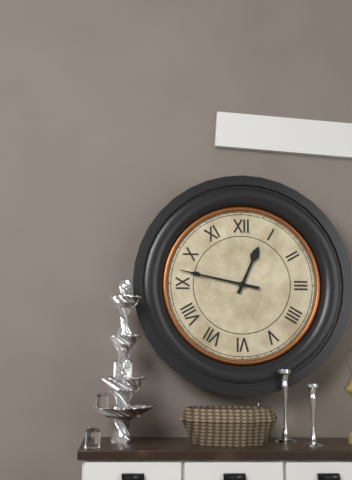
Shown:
12 h 47 min
